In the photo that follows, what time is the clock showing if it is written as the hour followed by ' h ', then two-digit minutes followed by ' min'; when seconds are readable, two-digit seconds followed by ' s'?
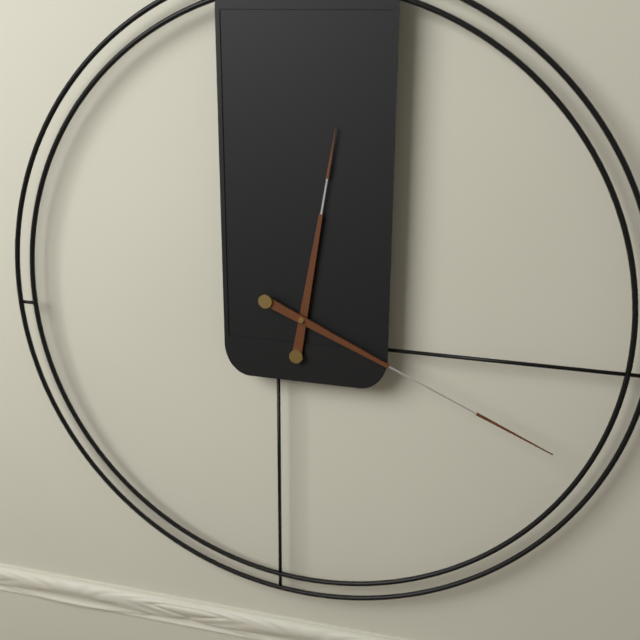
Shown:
12 h 19 min
